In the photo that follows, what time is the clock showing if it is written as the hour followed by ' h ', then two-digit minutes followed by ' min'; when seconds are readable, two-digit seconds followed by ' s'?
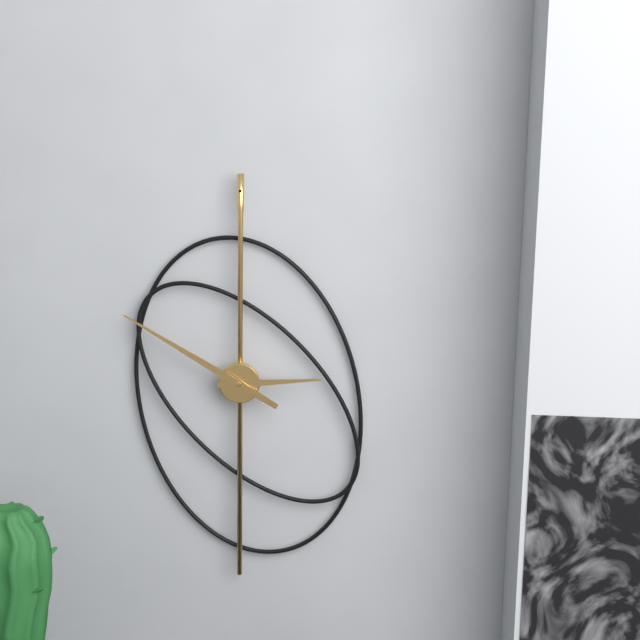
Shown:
2 h 50 min
